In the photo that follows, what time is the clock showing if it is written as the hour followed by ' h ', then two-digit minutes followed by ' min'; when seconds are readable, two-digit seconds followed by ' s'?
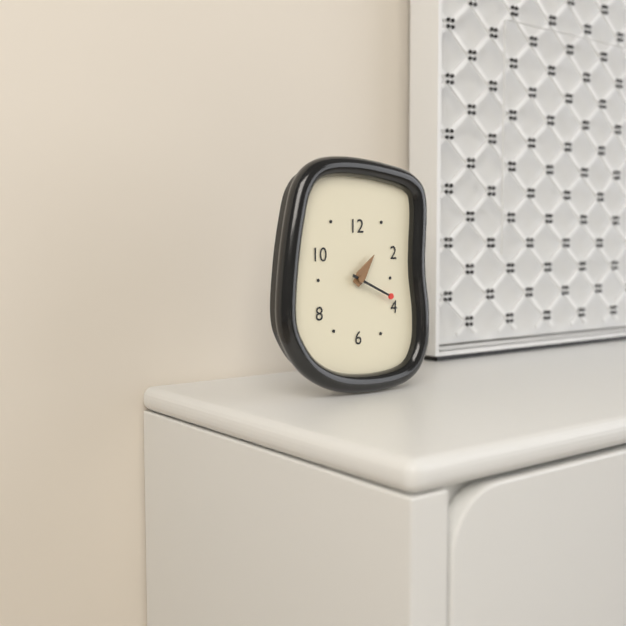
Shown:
1 h 19 min
